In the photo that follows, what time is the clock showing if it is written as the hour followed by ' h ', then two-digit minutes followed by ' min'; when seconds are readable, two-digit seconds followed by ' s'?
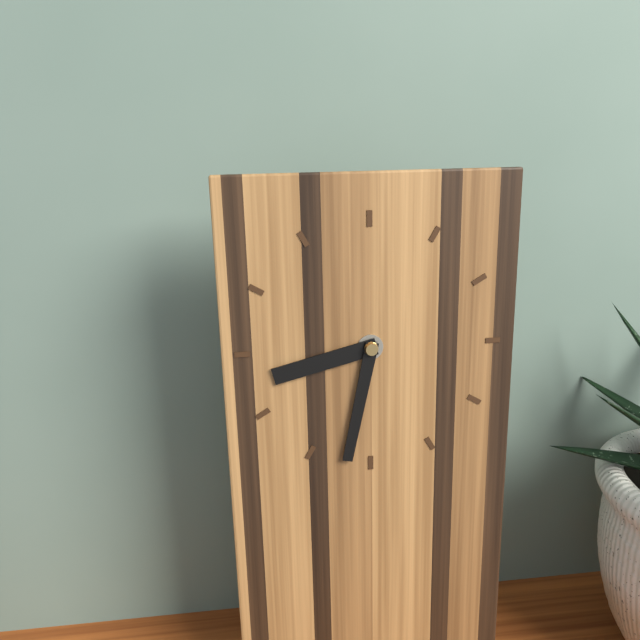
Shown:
8 h 32 min
